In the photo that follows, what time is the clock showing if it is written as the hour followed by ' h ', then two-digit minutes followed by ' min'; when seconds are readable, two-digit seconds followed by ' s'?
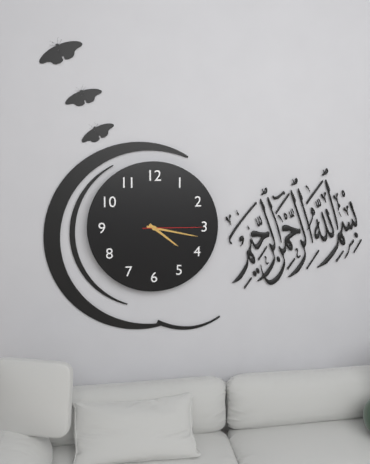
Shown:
4 h 17 min 15 s
